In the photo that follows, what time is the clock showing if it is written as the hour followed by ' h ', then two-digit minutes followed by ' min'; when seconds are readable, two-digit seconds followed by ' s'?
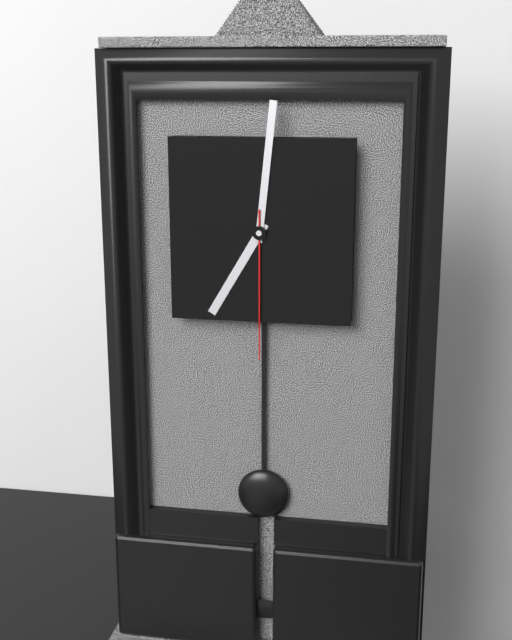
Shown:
7 h 01 min 30 s
